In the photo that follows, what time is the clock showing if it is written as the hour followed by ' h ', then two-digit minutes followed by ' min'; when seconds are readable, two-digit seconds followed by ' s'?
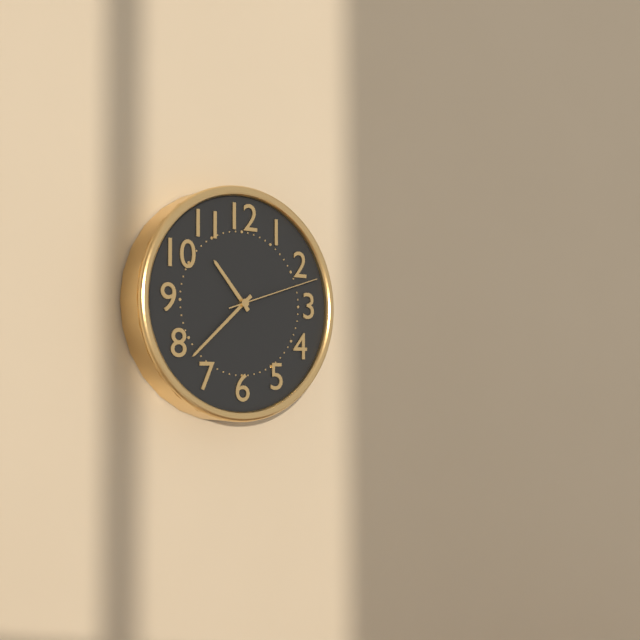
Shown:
10 h 38 min 12 s
